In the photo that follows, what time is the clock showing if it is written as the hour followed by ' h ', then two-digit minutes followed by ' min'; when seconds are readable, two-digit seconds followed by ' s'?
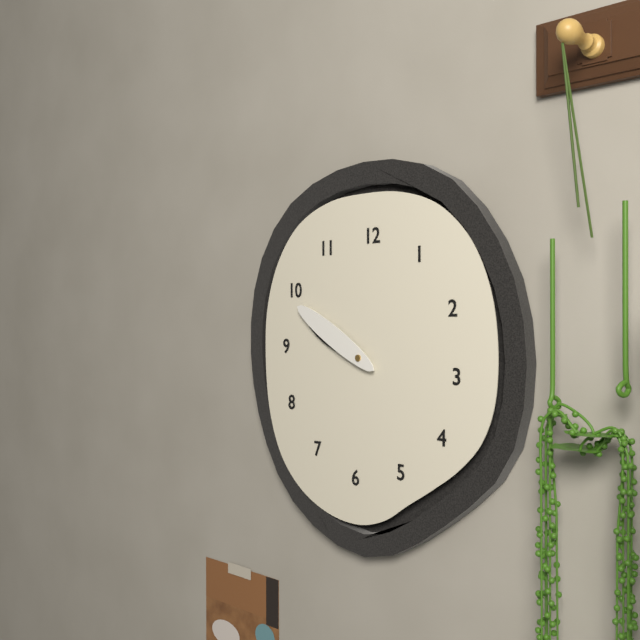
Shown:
9 h 50 min
